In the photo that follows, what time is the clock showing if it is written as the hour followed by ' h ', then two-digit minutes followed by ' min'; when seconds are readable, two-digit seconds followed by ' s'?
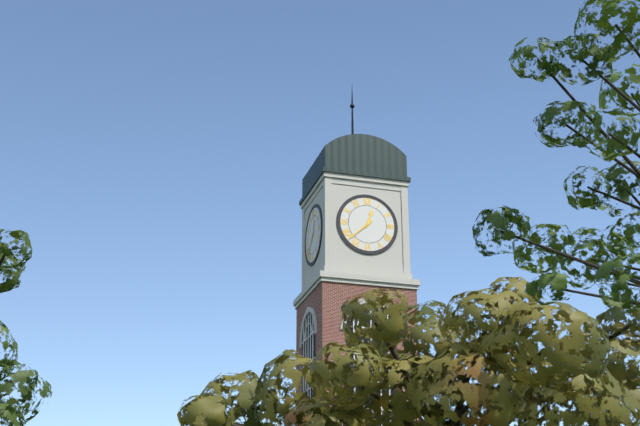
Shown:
12 h 38 min
